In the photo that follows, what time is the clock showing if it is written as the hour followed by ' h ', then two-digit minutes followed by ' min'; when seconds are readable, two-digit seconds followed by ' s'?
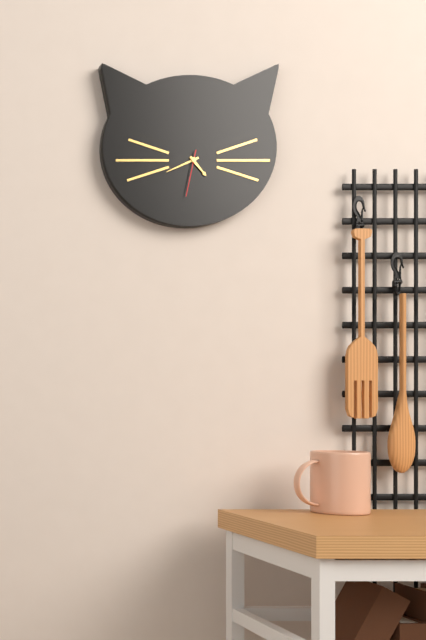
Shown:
4 h 41 min
